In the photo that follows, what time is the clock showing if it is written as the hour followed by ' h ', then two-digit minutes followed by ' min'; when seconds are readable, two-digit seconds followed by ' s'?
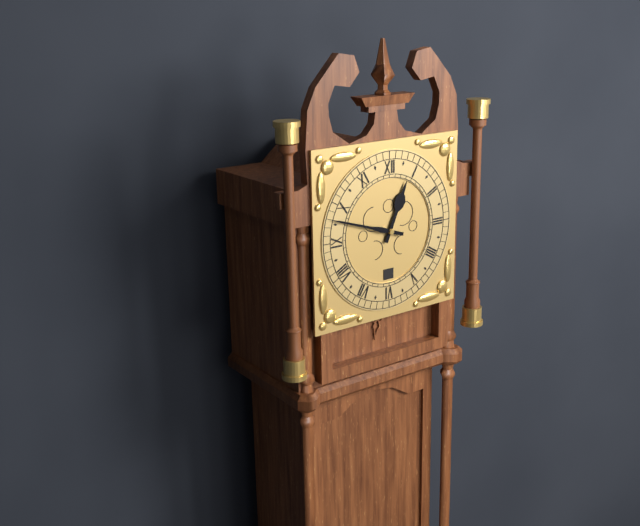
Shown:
12 h 48 min
